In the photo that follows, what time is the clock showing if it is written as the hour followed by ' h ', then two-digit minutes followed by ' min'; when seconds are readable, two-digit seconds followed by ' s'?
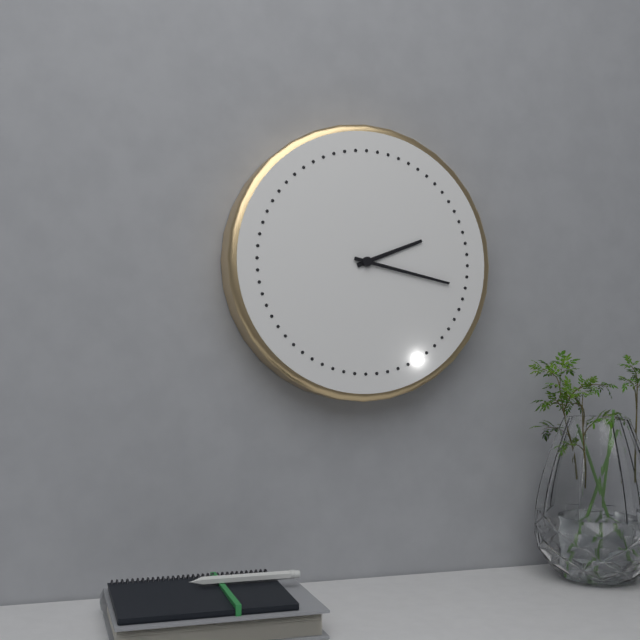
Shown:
2 h 17 min
